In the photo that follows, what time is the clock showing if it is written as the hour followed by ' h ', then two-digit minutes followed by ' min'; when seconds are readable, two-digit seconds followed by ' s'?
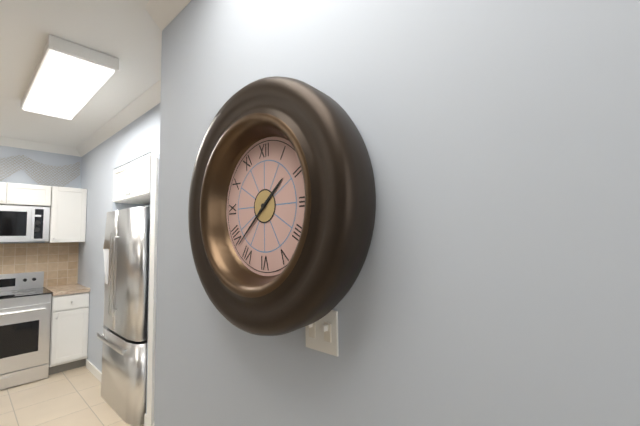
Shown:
1 h 38 min
